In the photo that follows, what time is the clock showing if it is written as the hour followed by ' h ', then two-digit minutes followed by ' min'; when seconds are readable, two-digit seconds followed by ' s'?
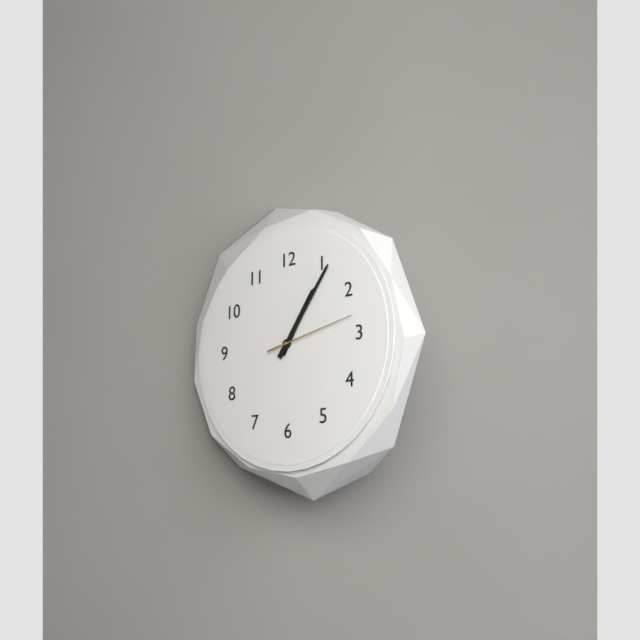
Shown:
1 h 06 min 13 s
